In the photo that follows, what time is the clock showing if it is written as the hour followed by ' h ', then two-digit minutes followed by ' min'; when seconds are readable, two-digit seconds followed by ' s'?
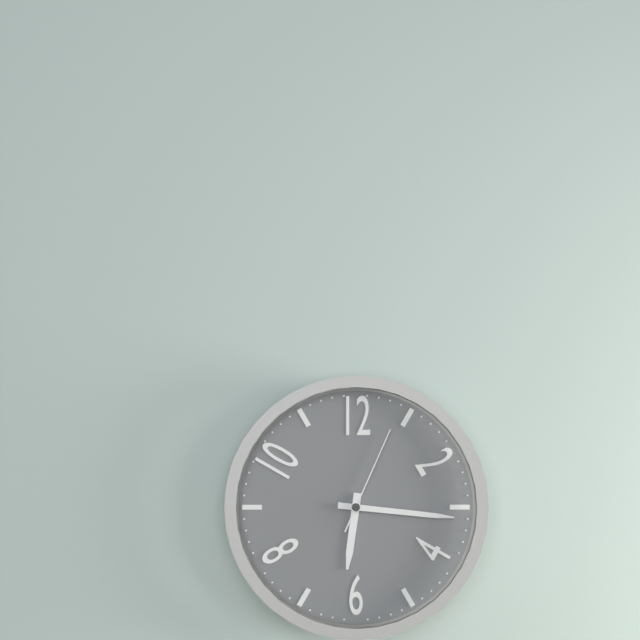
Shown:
6 h 16 min 04 s
